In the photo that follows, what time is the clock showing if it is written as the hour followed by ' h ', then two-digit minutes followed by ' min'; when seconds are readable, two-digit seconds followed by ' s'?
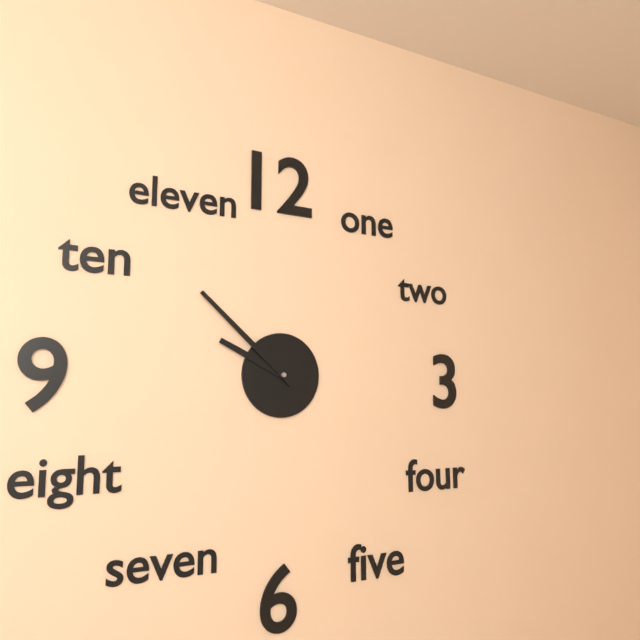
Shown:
9 h 52 min
